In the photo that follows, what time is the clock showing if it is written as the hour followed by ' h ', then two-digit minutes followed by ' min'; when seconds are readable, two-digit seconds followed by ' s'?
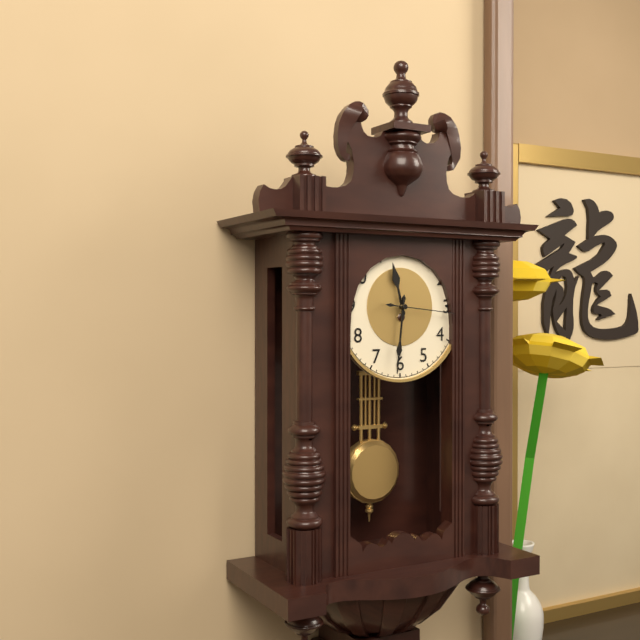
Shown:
11 h 31 min 16 s
